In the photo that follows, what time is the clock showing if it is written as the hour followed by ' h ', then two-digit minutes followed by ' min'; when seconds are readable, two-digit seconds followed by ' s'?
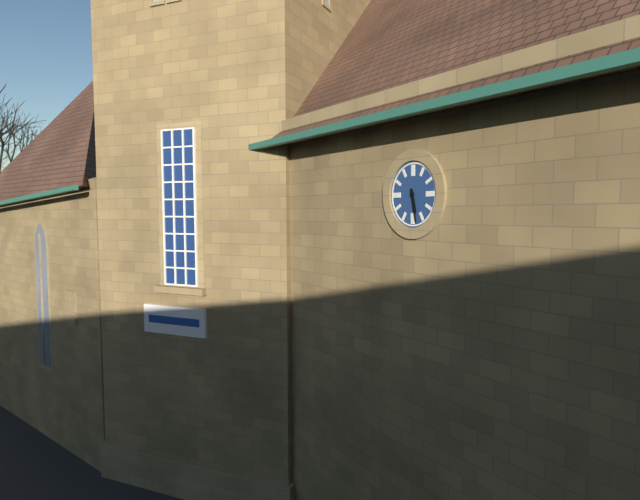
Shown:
5 h 28 min
